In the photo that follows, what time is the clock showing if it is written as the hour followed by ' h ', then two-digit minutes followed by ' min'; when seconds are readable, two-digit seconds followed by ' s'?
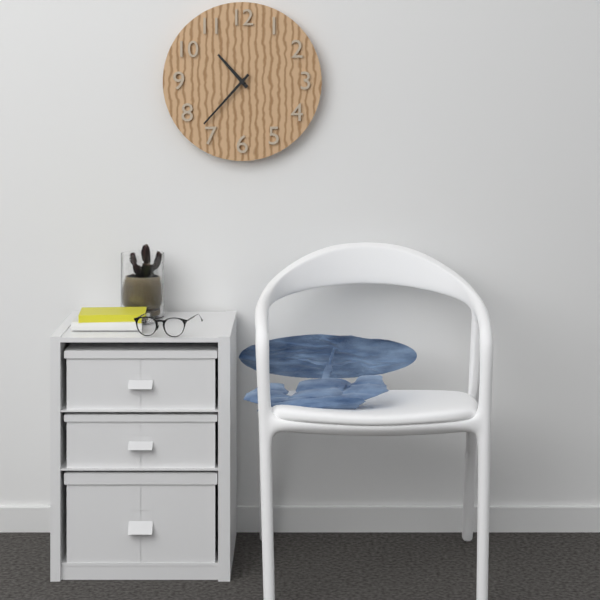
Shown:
10 h 37 min
